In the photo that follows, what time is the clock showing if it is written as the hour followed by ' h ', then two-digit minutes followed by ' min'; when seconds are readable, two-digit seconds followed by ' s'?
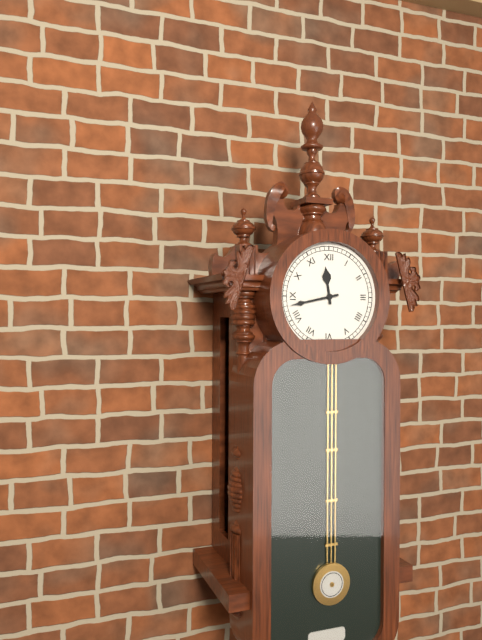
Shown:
11 h 43 min
